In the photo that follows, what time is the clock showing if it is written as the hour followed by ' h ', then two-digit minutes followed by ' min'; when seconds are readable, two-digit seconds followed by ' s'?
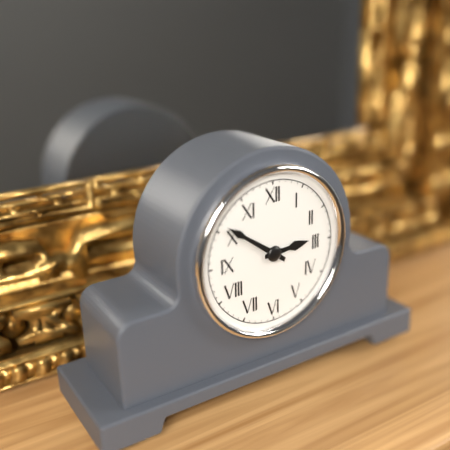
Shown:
2 h 51 min
